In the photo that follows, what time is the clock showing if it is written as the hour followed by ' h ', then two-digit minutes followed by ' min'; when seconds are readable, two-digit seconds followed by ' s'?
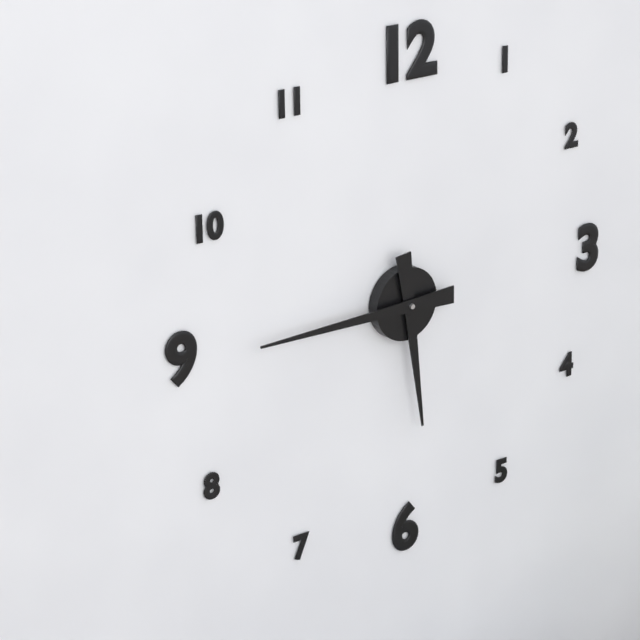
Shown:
5 h 45 min
